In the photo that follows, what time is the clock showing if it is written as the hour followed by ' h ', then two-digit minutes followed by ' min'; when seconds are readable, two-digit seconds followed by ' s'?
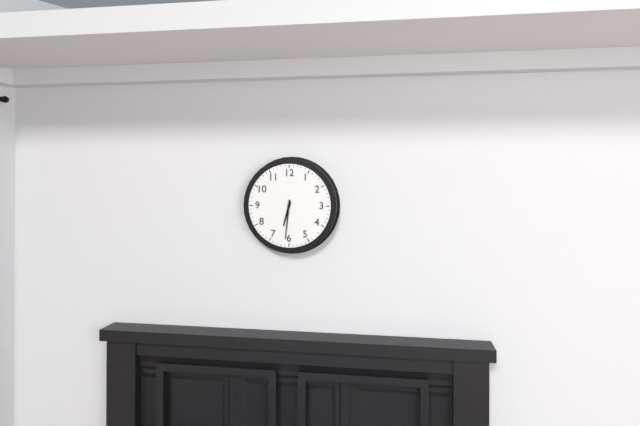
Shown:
6 h 31 min
